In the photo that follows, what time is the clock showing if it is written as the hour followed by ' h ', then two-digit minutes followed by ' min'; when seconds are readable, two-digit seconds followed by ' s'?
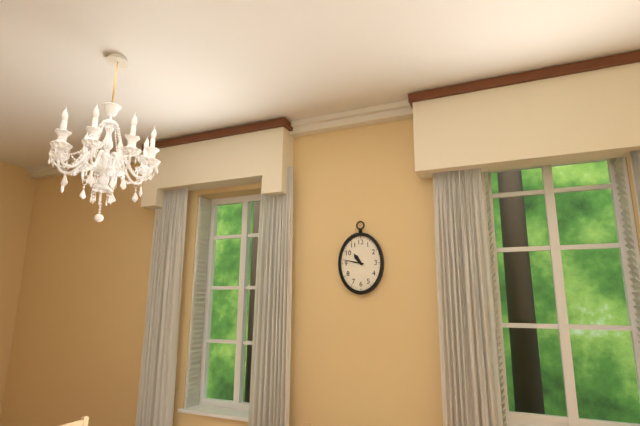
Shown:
10 h 47 min
